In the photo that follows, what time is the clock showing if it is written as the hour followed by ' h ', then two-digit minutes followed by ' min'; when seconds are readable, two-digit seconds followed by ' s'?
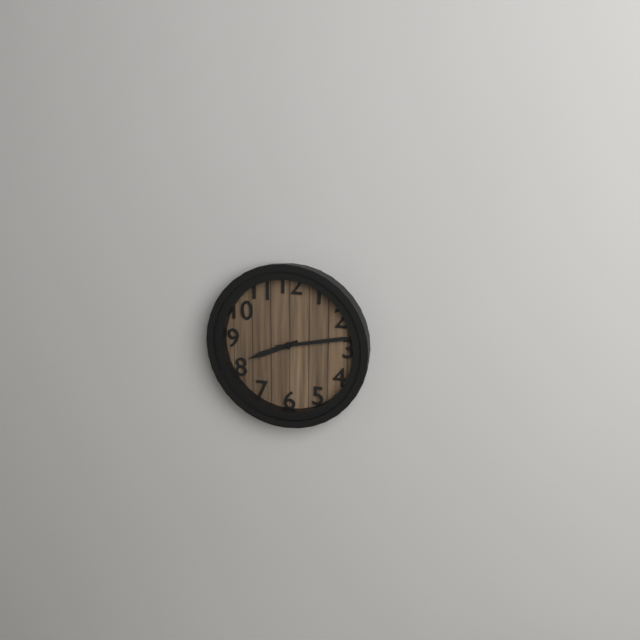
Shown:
8 h 13 min
